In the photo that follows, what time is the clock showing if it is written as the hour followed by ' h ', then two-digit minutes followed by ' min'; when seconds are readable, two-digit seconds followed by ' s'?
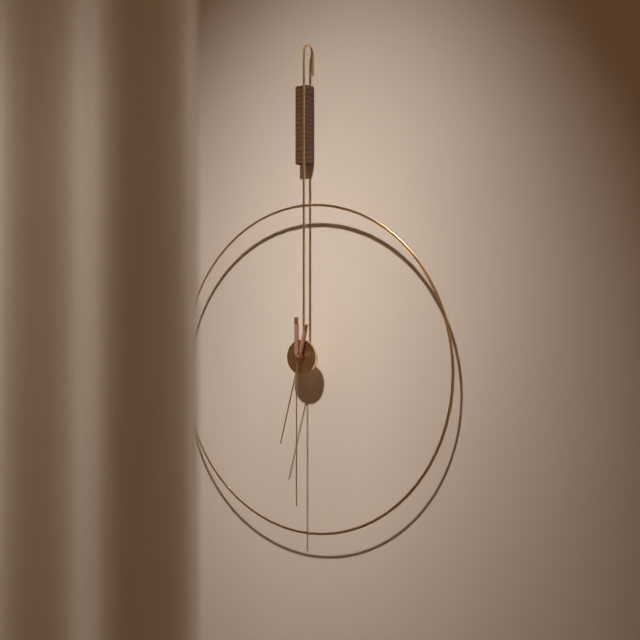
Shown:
6 h 30 min
